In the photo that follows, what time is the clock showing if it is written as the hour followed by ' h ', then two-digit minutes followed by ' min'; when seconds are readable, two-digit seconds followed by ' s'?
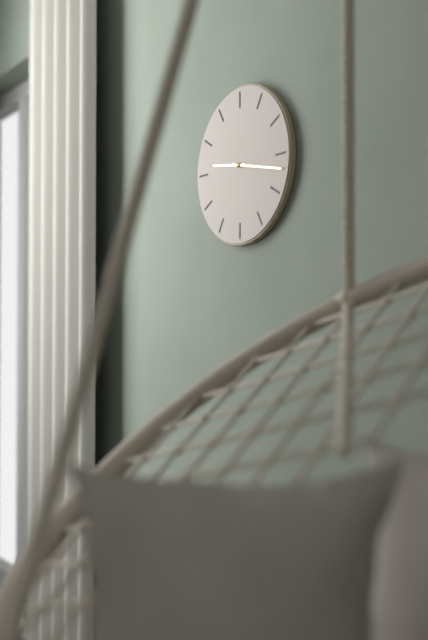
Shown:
9 h 17 min
